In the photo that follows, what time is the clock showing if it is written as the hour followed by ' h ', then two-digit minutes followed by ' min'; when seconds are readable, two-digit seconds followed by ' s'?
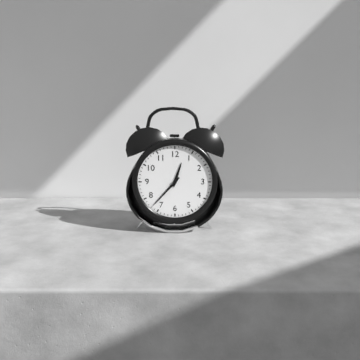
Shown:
12 h 37 min
